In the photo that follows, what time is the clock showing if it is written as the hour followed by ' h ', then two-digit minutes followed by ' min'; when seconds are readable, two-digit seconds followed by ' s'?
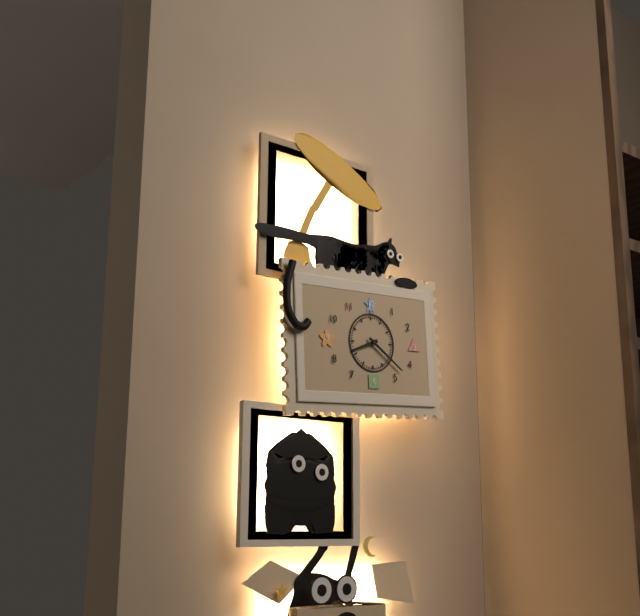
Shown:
8 h 21 min
